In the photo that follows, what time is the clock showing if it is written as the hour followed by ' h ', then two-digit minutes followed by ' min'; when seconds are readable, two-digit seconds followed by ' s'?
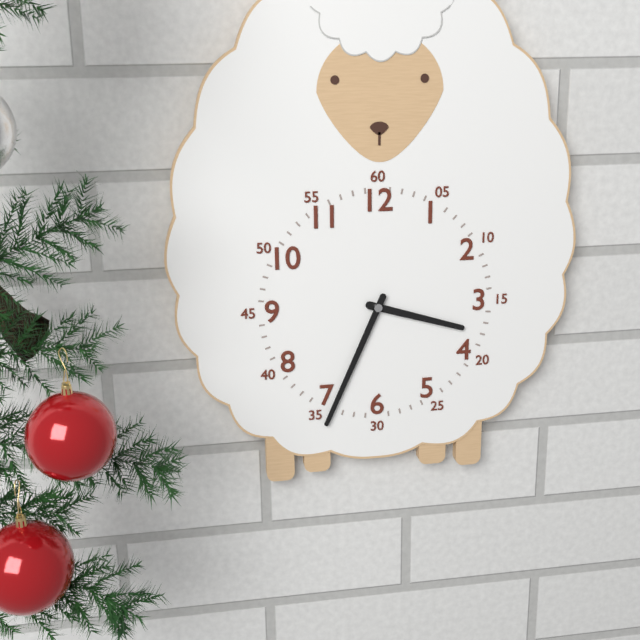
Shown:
3 h 34 min
